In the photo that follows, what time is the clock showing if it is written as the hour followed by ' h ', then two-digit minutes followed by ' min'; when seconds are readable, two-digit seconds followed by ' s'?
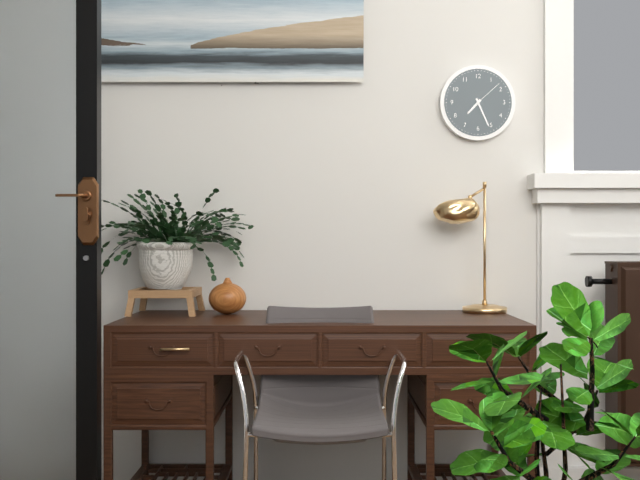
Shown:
7 h 26 min
